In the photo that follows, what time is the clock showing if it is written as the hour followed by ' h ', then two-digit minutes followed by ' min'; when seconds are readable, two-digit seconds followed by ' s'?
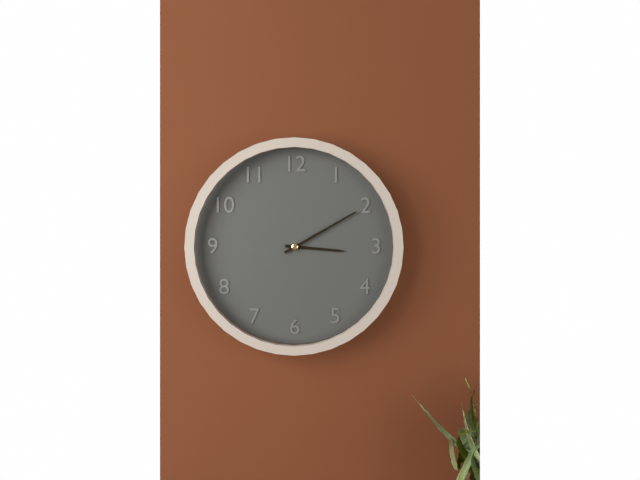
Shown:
3 h 10 min
